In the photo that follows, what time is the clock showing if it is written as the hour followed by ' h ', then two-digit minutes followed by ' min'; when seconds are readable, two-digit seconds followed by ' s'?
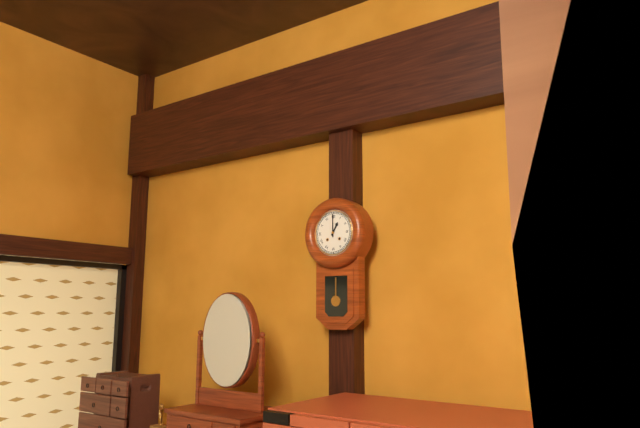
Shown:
1 h 00 min
